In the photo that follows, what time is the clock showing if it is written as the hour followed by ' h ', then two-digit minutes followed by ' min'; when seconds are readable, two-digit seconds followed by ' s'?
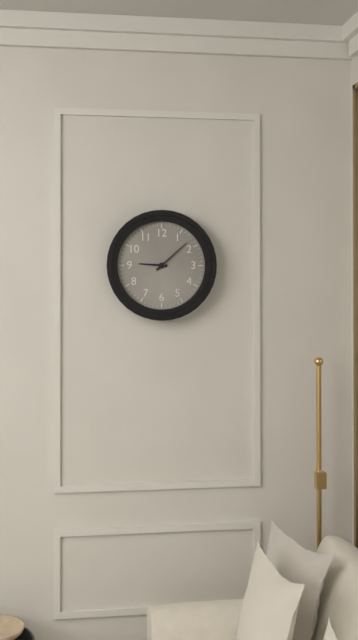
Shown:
9 h 08 min
